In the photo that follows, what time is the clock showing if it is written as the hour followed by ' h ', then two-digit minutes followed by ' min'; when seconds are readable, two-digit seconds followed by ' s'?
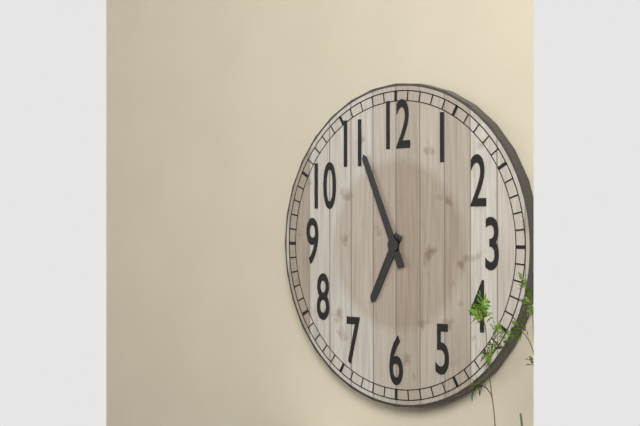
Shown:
6 h 56 min
